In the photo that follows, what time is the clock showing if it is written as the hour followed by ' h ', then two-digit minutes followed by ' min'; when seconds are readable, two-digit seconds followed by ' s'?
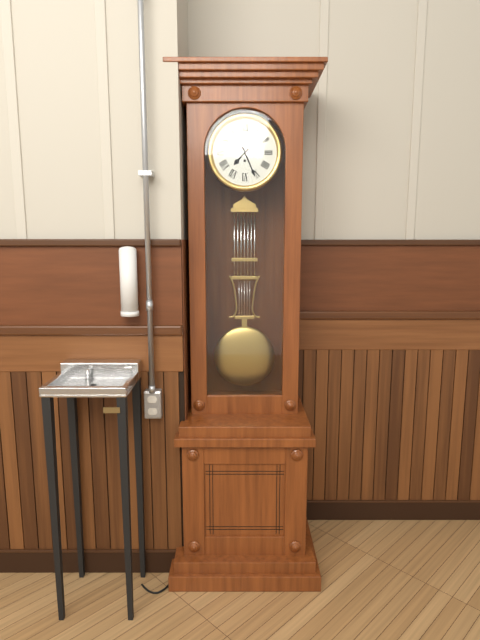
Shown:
7 h 26 min
